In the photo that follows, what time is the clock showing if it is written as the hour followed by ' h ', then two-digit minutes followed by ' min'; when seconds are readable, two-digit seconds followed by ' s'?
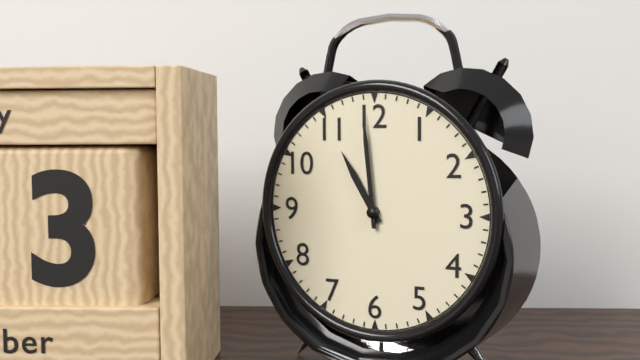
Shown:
10 h 59 min
